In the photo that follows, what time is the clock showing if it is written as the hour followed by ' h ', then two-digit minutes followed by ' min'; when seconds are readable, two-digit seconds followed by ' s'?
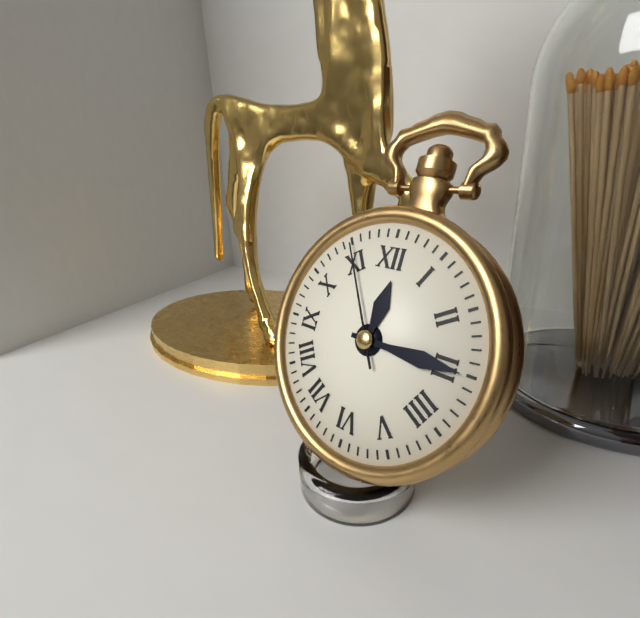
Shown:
12 h 15 min 55 s
